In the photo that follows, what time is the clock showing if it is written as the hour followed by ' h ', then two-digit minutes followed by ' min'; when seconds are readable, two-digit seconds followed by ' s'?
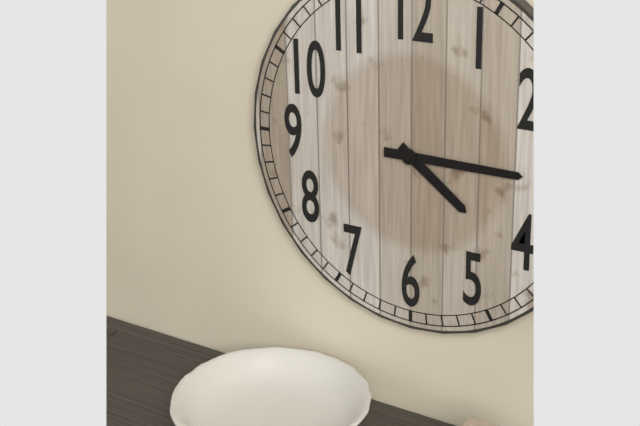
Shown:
4 h 15 min
